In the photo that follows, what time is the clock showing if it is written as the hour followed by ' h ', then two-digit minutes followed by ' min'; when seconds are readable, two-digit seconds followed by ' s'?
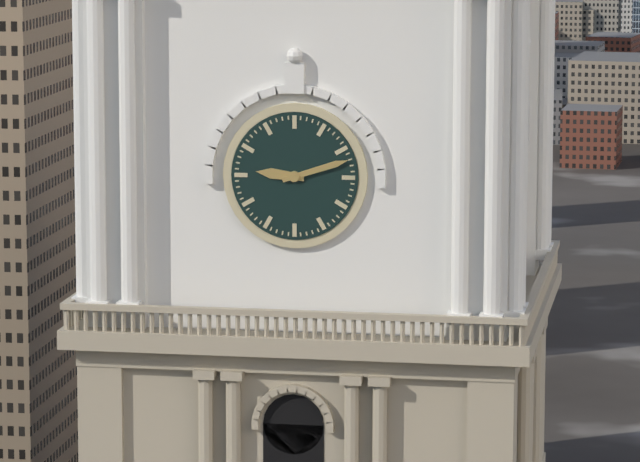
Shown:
9 h 12 min
